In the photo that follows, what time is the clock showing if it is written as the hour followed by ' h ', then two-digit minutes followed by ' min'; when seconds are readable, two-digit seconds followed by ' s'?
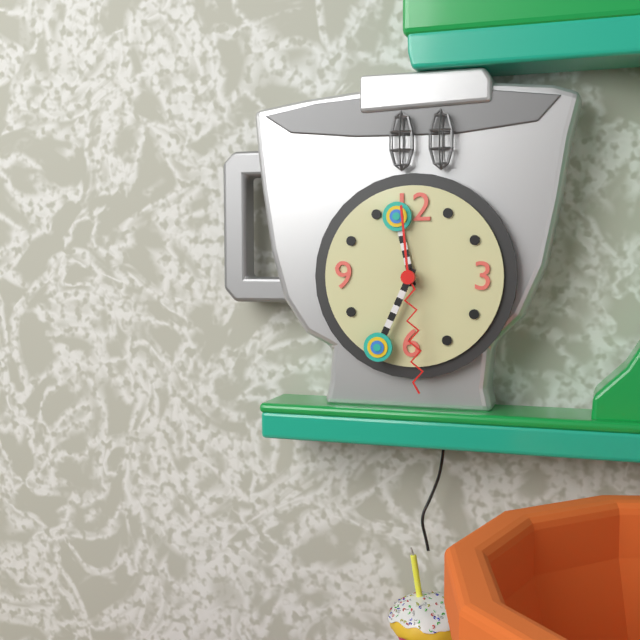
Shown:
11 h 34 min 29 s
